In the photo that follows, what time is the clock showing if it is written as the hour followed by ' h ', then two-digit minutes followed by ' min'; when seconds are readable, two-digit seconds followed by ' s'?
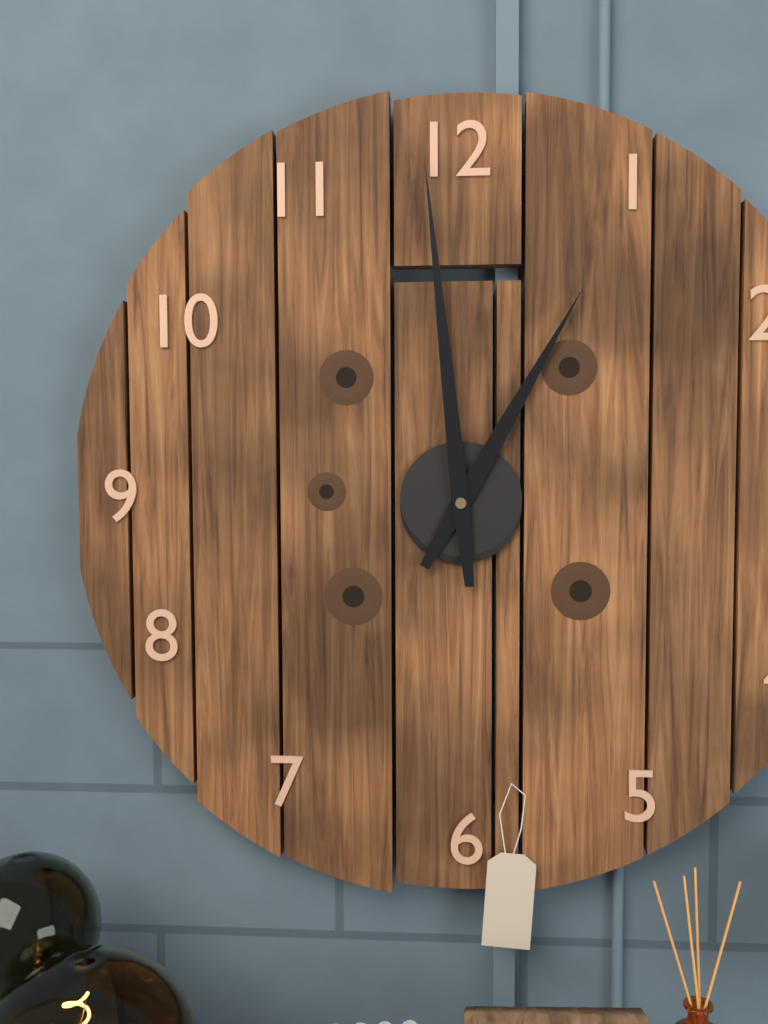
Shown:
12 h 59 min
